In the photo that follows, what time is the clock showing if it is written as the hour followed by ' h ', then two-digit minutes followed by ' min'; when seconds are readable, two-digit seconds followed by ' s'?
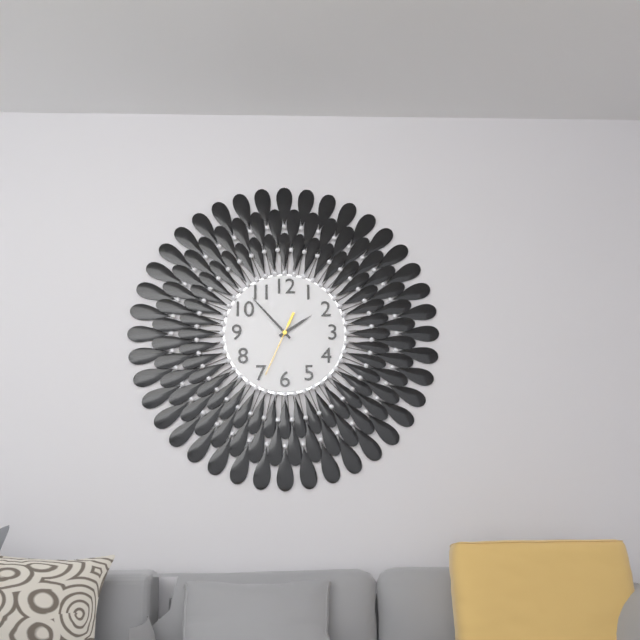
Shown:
1 h 53 min 34 s
